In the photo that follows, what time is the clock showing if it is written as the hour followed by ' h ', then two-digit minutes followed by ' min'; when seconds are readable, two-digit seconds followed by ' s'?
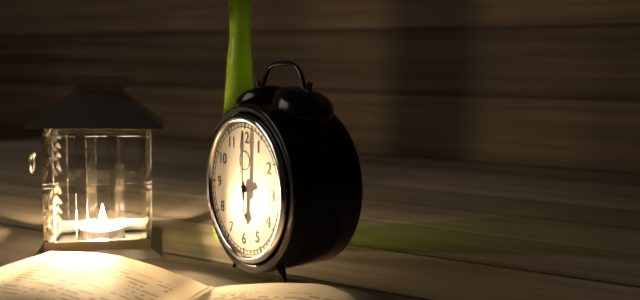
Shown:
6 h 00 min
